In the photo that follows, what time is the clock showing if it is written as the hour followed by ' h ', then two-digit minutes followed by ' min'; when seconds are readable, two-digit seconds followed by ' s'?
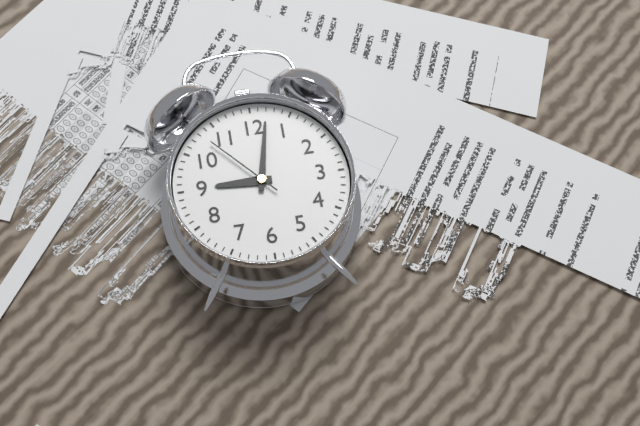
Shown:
9 h 02 min 53 s
